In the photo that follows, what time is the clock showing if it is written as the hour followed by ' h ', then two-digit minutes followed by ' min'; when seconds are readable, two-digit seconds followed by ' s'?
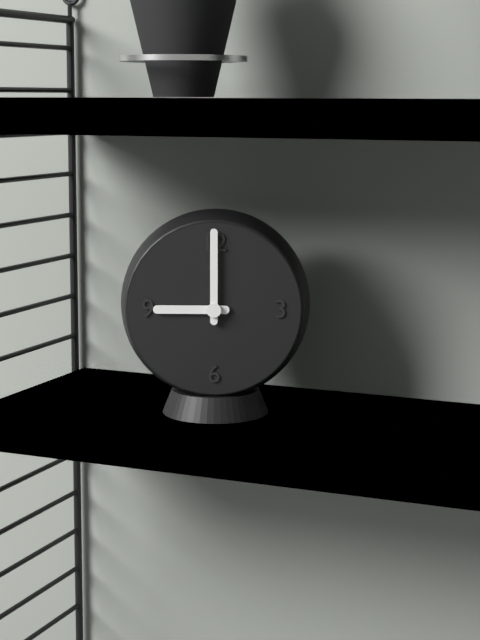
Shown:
9 h 00 min
